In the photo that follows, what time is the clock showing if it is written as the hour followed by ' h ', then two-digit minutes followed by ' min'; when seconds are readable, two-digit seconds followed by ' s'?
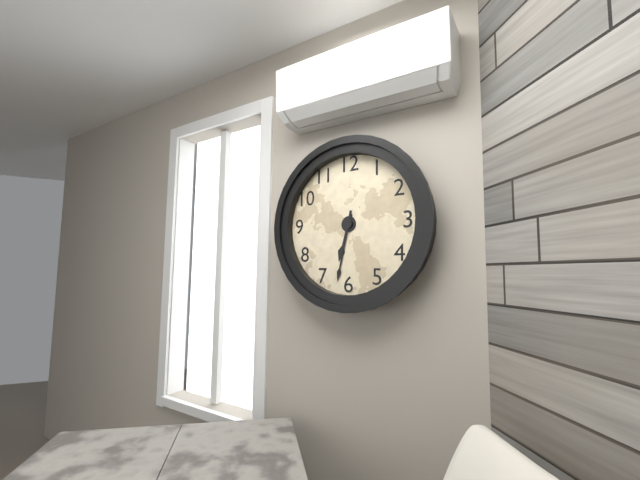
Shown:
6 h 32 min
